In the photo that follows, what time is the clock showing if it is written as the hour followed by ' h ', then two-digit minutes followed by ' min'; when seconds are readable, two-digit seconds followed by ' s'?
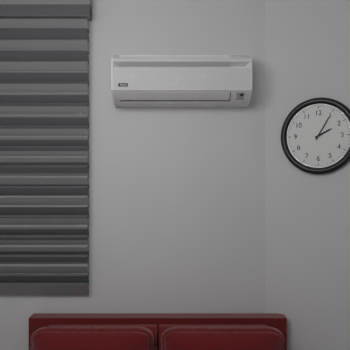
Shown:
2 h 05 min
